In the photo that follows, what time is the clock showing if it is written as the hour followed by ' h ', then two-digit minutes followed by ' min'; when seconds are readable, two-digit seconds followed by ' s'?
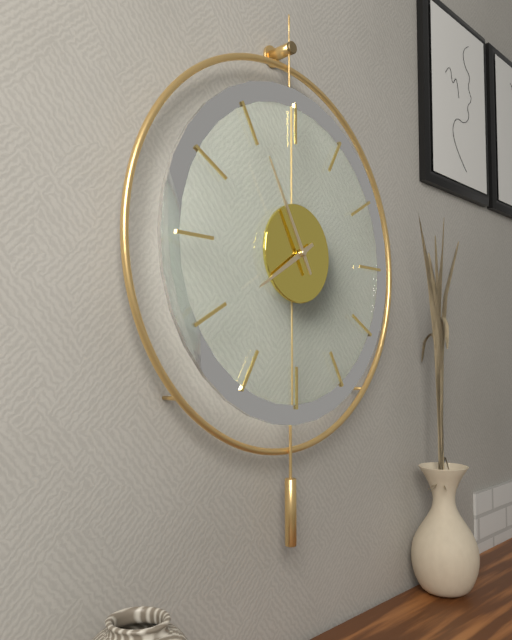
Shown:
7 h 55 min
